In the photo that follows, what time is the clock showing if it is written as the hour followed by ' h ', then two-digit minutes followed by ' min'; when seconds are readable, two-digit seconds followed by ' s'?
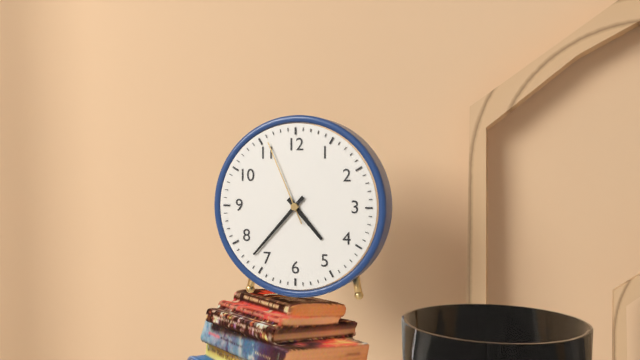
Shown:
4 h 37 min 56 s
